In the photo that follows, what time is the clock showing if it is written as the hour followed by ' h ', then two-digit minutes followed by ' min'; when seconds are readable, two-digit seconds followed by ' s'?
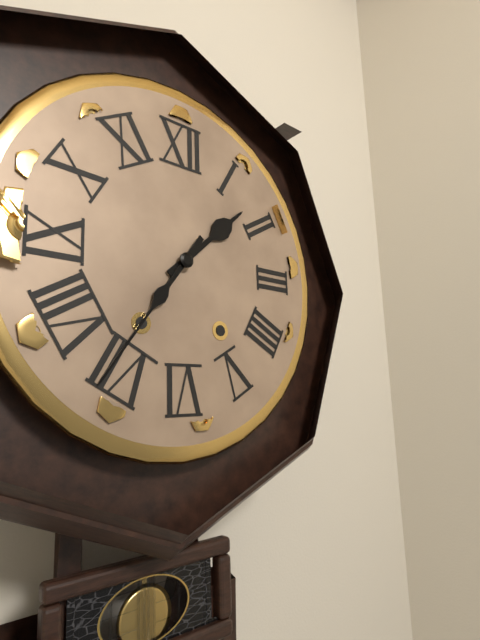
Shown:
1 h 36 min
